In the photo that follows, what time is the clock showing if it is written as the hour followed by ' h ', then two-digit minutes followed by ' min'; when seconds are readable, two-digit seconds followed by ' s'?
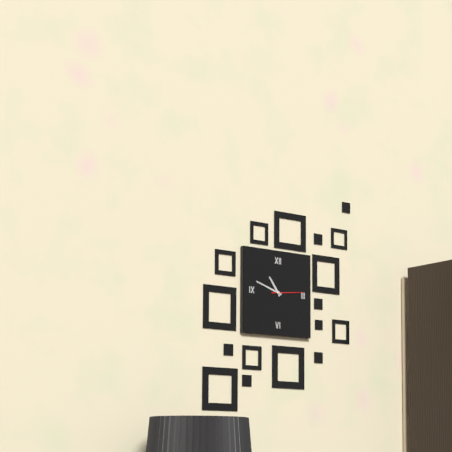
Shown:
10 h 48 min
